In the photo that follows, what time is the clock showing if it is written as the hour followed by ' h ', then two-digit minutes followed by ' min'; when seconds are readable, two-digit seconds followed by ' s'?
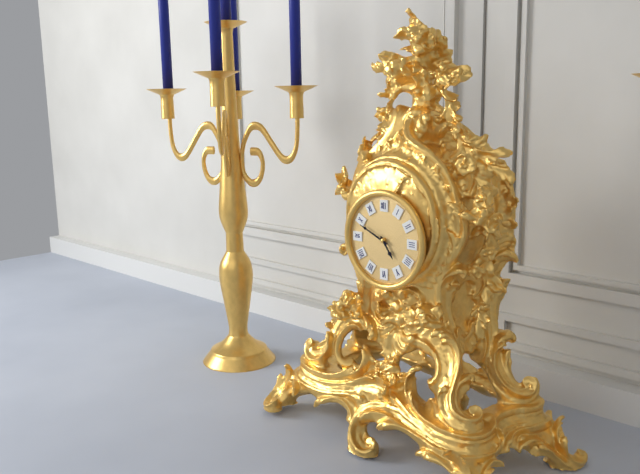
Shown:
4 h 49 min
